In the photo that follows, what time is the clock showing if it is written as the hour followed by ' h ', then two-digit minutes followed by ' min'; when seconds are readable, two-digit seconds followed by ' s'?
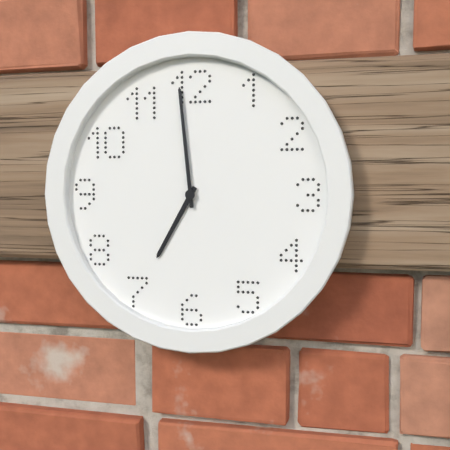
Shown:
6 h 59 min
